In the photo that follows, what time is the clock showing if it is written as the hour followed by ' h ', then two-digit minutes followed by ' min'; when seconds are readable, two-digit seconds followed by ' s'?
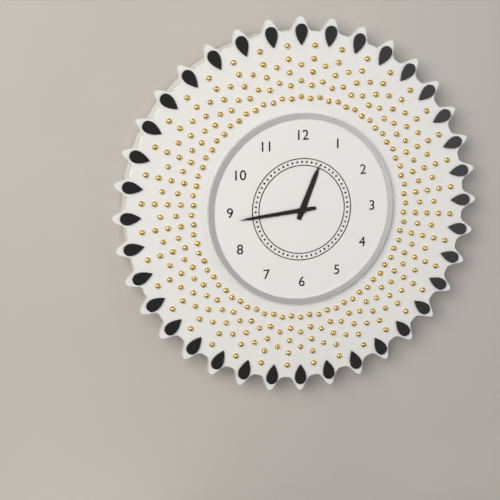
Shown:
12 h 44 min
